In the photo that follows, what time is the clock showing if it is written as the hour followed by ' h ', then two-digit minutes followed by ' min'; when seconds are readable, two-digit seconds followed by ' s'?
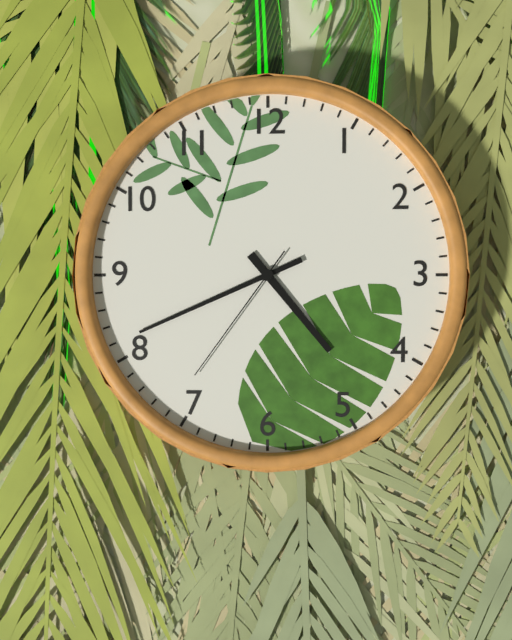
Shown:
4 h 41 min 36 s
